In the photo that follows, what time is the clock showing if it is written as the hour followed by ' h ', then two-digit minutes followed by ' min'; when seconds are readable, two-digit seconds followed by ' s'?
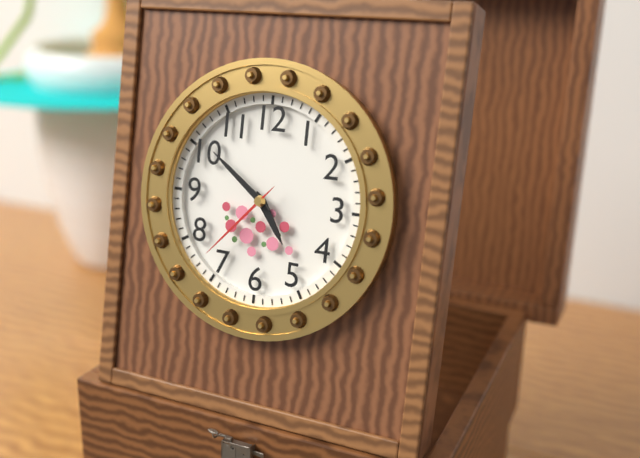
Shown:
4 h 51 min 37 s
